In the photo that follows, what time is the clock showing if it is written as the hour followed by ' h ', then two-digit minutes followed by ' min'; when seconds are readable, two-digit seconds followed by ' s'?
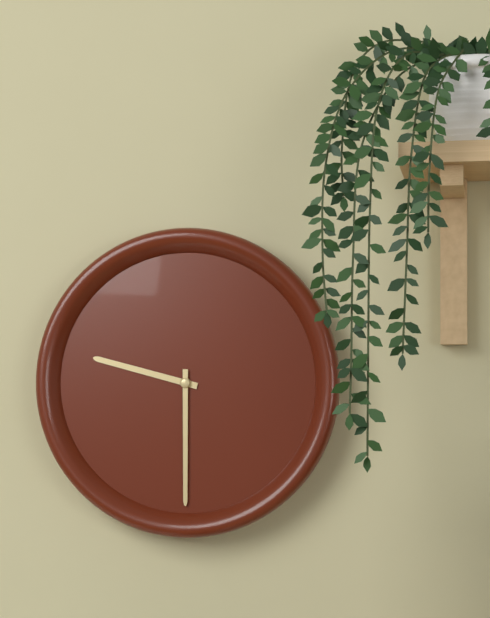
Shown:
9 h 30 min
